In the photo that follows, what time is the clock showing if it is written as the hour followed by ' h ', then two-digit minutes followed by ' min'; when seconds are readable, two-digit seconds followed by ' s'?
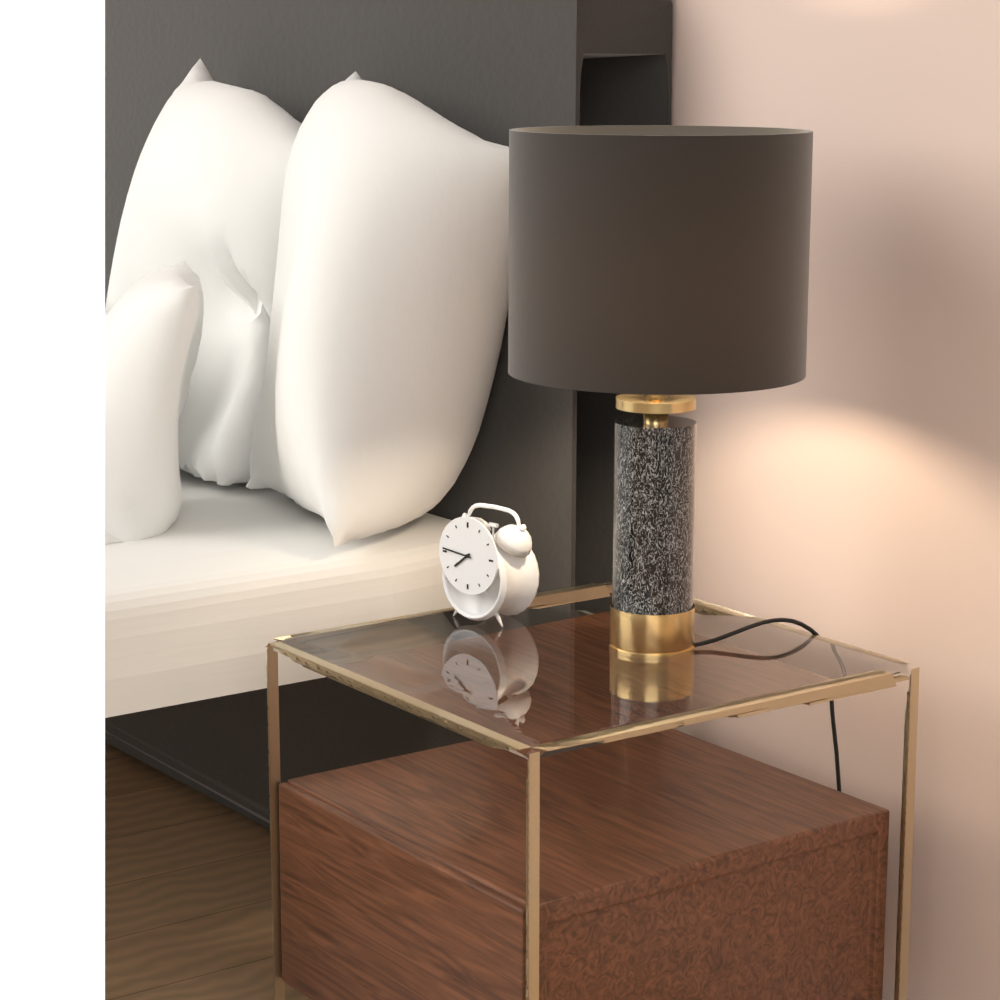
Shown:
7 h 46 min
